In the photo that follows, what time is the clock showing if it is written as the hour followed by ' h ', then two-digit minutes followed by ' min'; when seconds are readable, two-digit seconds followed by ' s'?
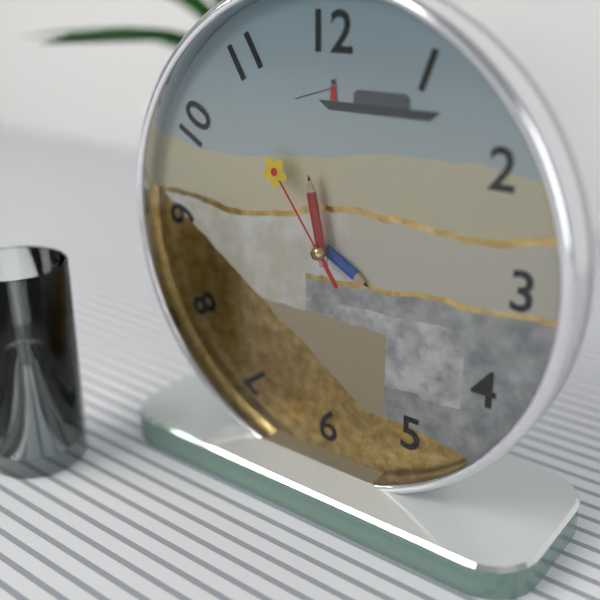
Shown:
3 h 58 min 54 s
